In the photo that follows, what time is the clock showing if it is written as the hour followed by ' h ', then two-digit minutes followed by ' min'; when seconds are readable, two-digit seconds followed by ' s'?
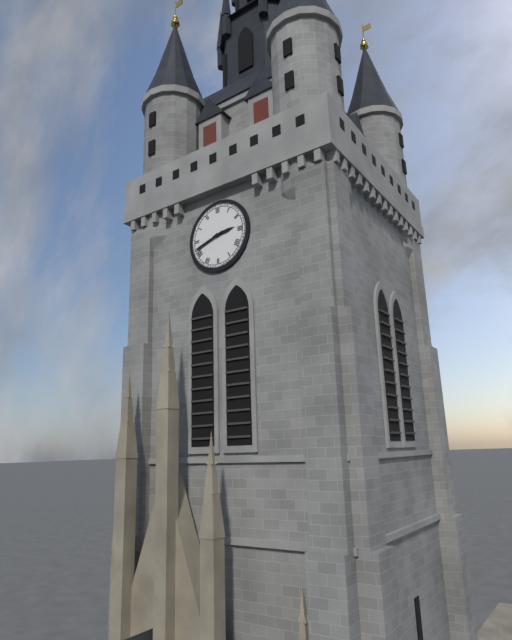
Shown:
2 h 42 min
